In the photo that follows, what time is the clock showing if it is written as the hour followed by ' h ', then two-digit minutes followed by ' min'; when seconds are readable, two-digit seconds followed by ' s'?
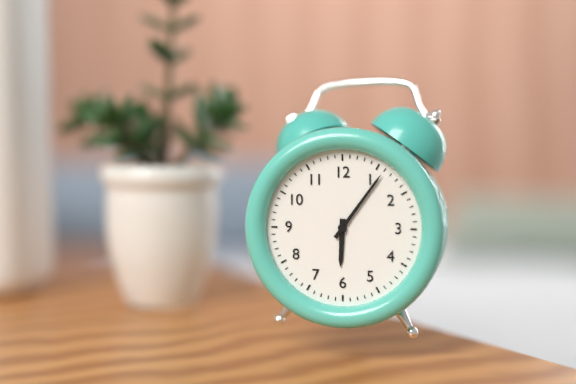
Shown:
6 h 06 min
